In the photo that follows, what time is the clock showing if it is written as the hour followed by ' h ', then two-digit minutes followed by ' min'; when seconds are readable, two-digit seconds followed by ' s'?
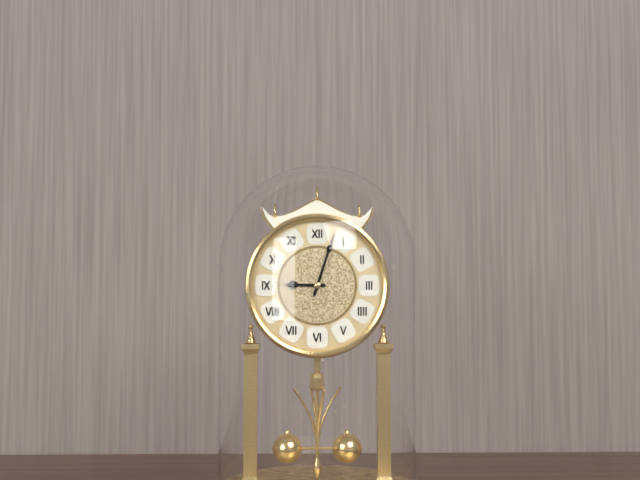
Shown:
9 h 03 min
